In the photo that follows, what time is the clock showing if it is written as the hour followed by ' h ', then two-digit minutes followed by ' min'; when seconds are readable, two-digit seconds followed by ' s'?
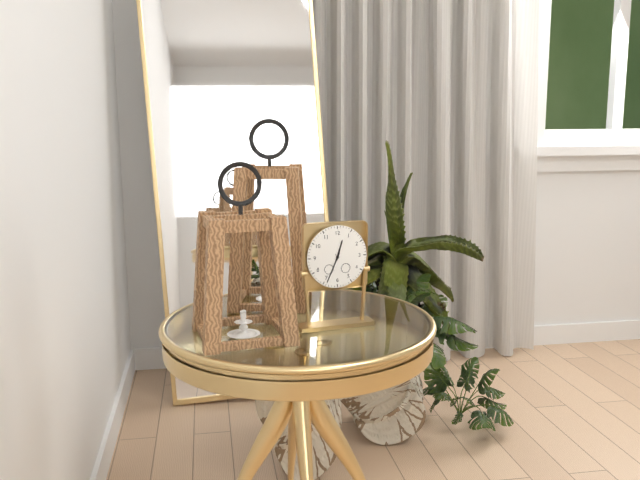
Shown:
12 h 34 min
